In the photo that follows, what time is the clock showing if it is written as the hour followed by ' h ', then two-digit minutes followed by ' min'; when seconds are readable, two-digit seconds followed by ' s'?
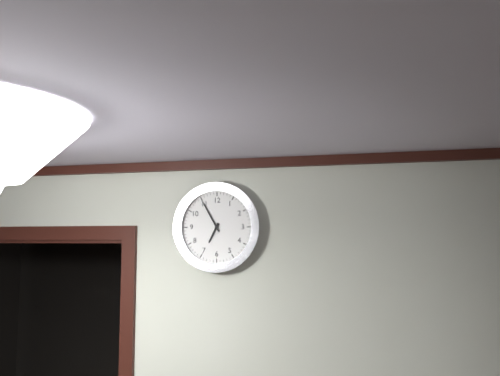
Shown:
6 h 55 min
